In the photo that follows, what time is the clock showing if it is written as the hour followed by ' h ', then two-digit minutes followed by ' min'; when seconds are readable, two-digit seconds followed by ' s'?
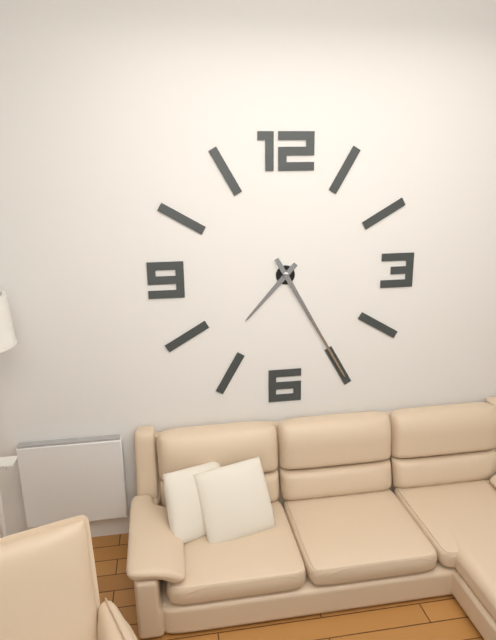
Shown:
7 h 25 min
